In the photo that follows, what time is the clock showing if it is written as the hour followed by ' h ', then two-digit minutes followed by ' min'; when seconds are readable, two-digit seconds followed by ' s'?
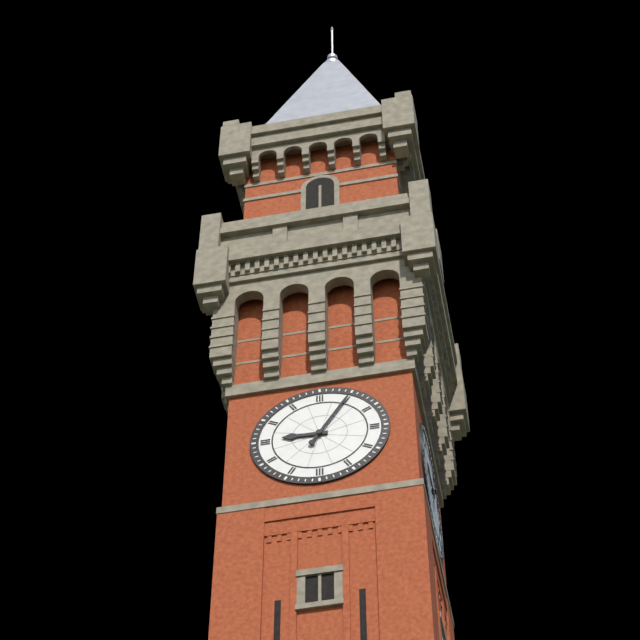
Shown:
9 h 05 min
